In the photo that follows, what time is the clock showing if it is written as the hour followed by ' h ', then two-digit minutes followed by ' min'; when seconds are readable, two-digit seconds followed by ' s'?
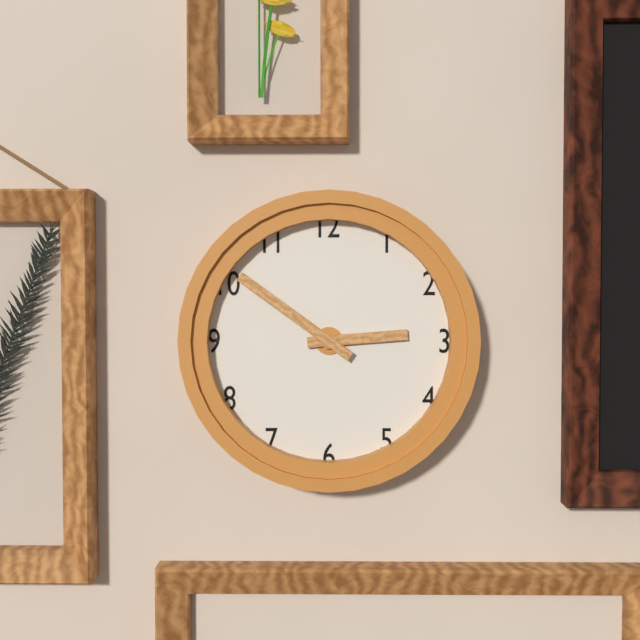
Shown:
2 h 51 min
